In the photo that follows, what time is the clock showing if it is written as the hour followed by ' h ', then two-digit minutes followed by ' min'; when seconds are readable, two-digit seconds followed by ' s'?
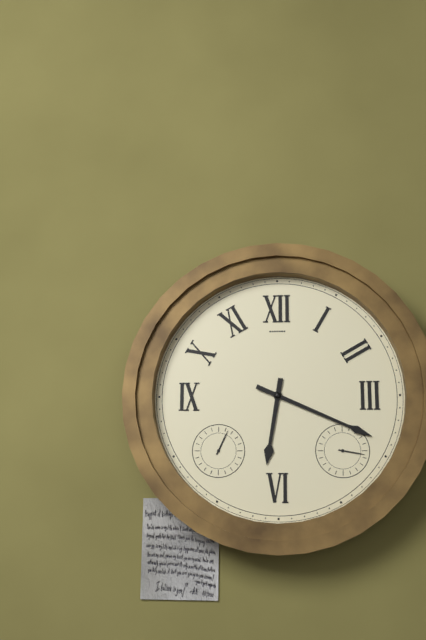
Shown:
6 h 19 min
